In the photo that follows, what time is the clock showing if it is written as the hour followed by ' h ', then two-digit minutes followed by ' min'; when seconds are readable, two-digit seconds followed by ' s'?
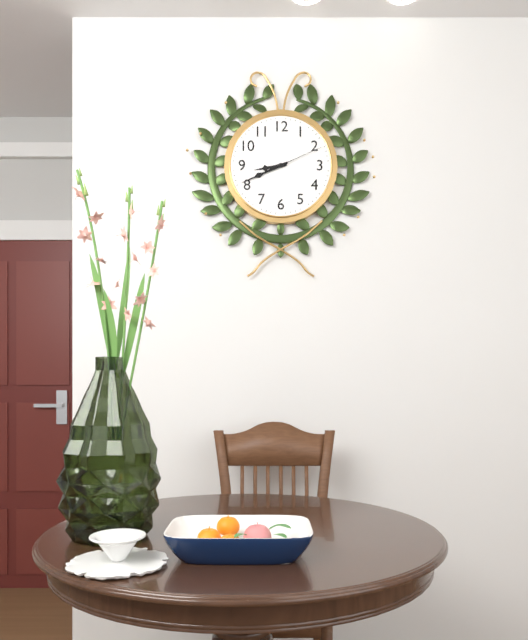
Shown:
8 h 41 min 11 s
